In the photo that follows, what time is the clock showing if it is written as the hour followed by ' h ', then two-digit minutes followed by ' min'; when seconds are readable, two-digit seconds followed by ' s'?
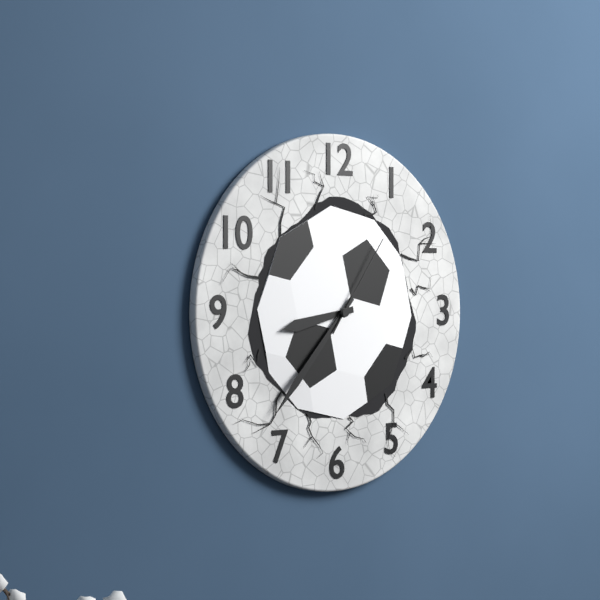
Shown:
8 h 37 min 06 s
